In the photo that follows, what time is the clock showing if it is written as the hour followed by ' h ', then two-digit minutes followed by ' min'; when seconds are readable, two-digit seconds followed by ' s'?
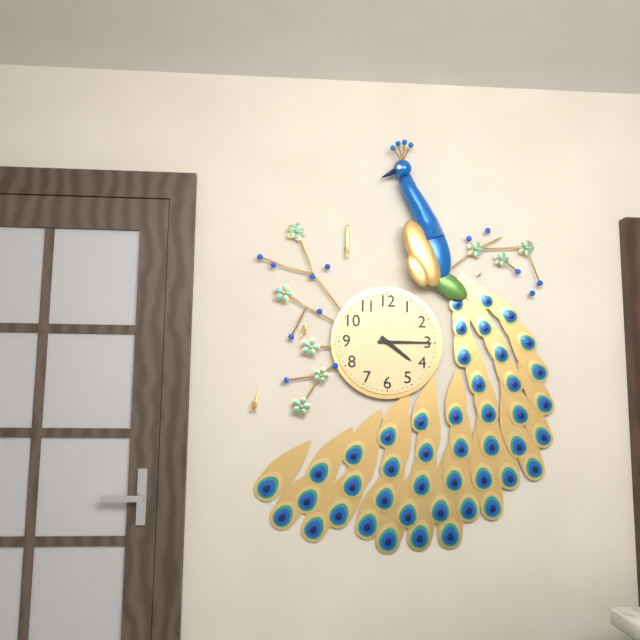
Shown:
4 h 15 min
